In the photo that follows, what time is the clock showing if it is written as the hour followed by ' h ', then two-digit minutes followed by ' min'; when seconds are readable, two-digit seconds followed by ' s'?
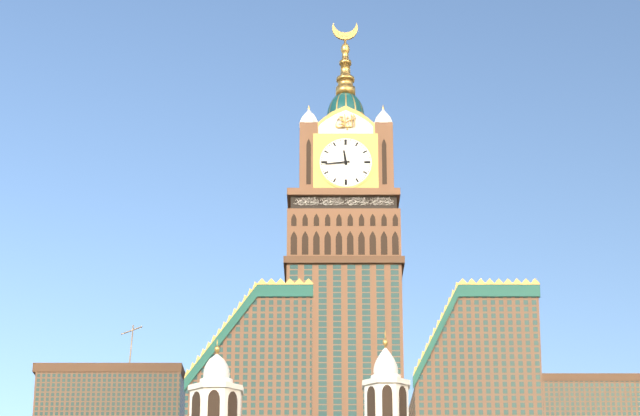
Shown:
11 h 44 min
